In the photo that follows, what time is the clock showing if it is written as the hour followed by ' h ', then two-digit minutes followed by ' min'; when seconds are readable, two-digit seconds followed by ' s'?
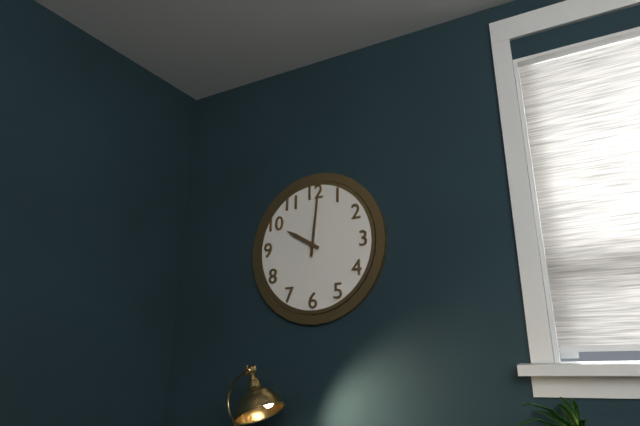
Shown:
10 h 01 min
